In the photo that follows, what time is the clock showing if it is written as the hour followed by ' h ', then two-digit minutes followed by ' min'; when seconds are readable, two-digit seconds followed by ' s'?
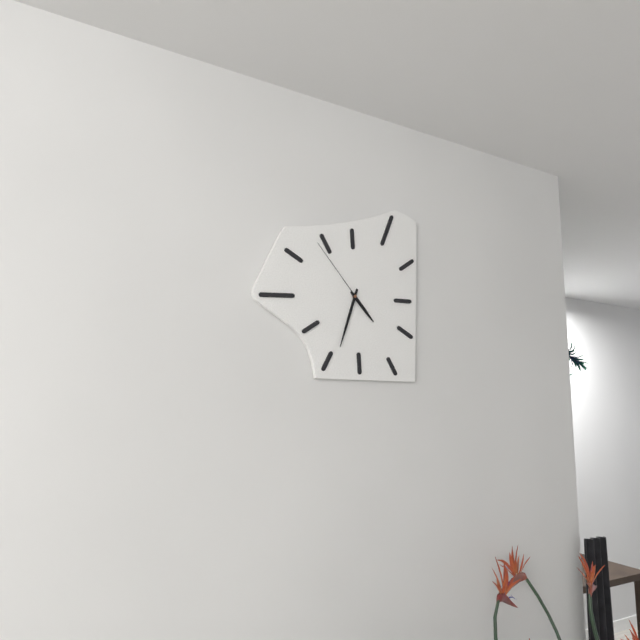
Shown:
4 h 33 min 53 s
